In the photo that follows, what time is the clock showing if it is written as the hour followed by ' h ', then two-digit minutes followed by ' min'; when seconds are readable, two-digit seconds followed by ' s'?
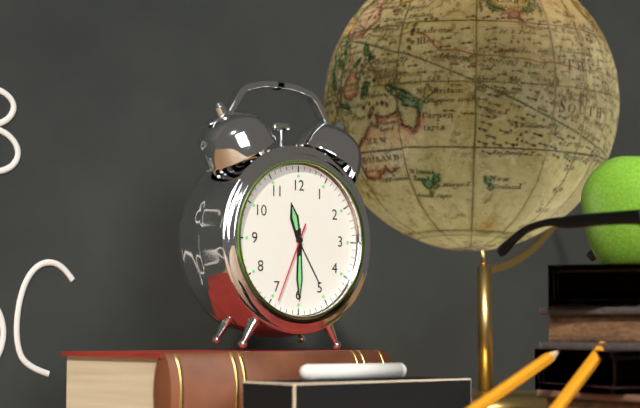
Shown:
11 h 30 min 34 s
